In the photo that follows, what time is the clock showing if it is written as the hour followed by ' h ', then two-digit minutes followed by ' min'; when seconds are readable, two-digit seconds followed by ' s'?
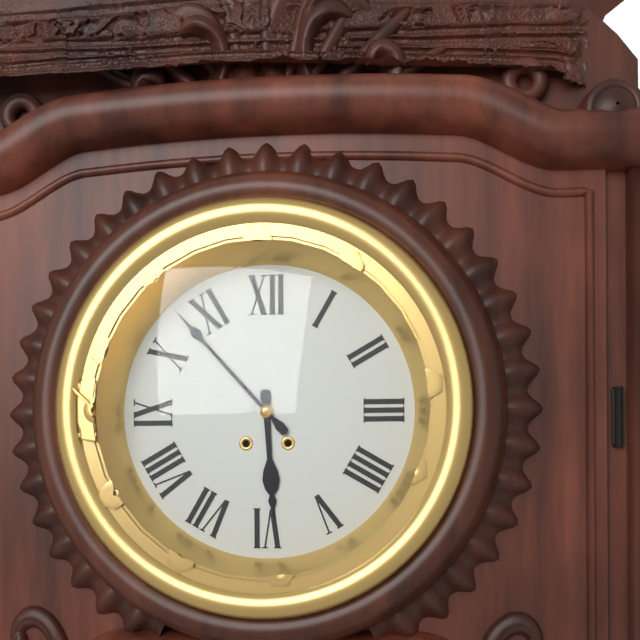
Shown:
5 h 53 min
